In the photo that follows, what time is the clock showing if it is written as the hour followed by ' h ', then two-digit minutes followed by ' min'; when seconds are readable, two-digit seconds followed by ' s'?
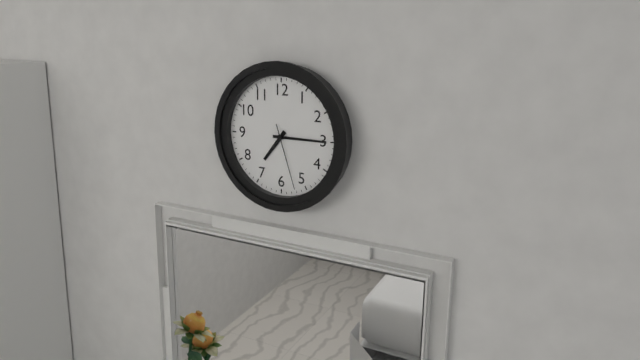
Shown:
7 h 15 min 27 s
